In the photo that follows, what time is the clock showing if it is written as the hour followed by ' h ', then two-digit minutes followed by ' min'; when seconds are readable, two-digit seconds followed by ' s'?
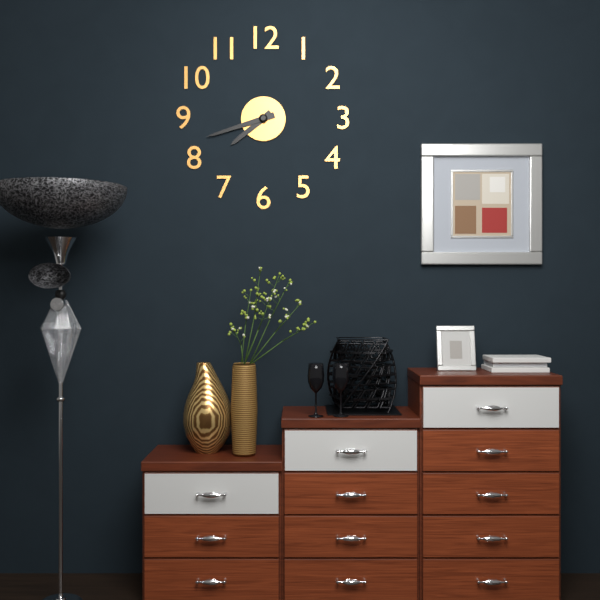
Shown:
7 h 42 min
